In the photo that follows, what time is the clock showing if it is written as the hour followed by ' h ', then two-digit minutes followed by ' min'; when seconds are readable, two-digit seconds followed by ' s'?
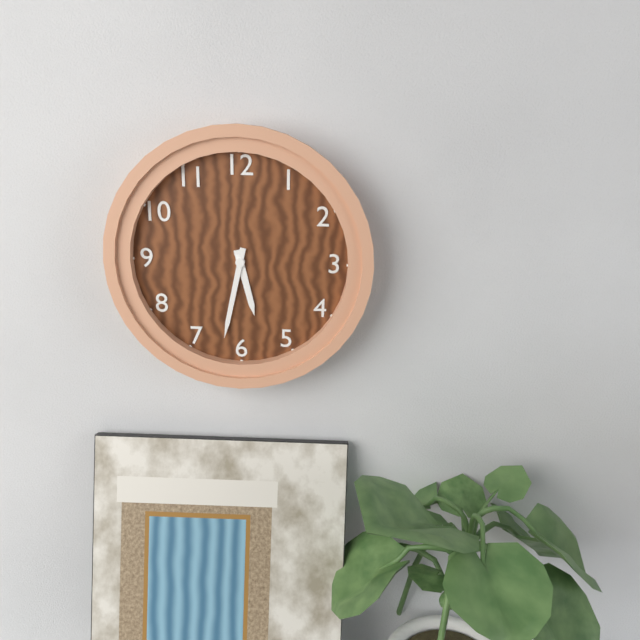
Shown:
5 h 32 min
